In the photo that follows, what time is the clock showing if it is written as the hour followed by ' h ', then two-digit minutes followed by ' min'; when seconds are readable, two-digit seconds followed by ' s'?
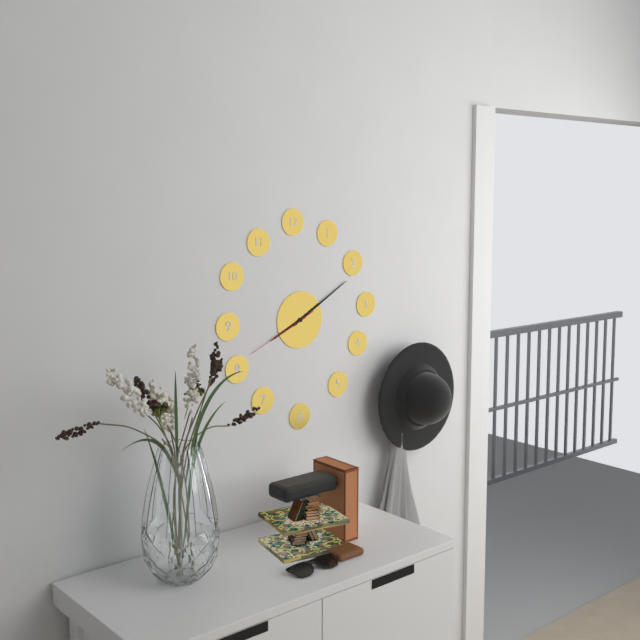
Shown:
8 h 10 min 41 s
